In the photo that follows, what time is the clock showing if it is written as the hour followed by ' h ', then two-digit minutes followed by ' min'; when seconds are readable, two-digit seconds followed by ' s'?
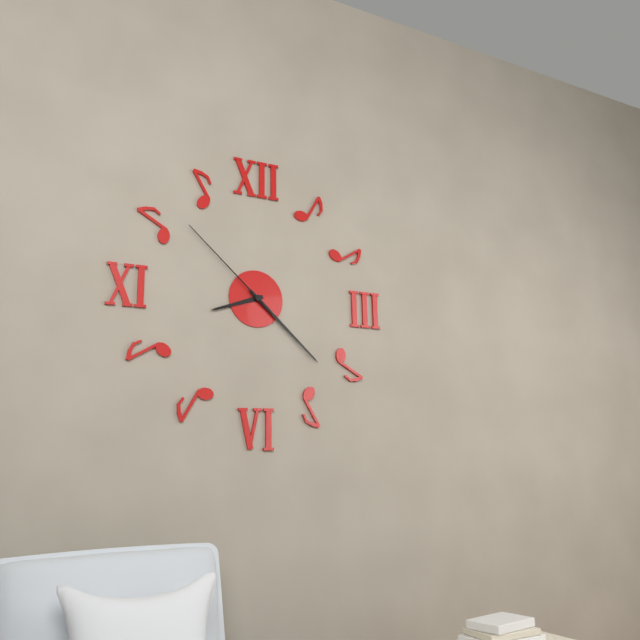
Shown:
8 h 22 min 52 s
